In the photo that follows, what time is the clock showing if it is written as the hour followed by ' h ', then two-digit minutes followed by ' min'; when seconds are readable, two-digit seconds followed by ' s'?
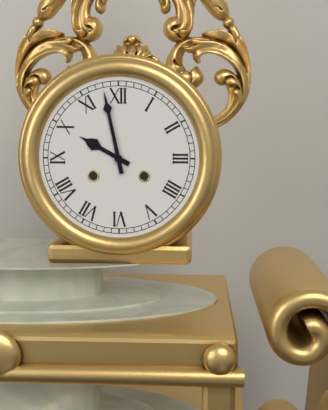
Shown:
9 h 58 min
